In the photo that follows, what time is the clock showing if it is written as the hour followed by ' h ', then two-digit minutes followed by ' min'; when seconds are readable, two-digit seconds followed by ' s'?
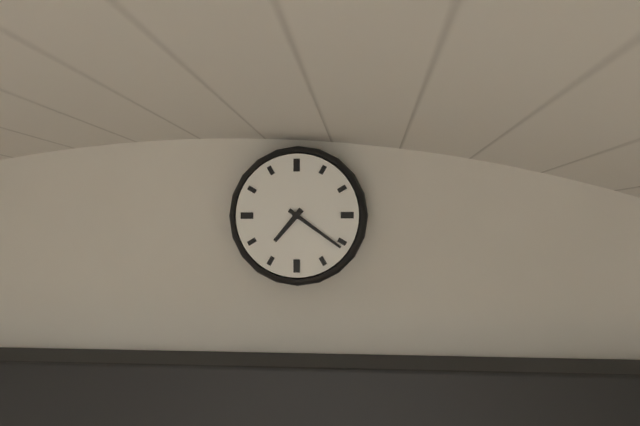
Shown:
7 h 21 min
